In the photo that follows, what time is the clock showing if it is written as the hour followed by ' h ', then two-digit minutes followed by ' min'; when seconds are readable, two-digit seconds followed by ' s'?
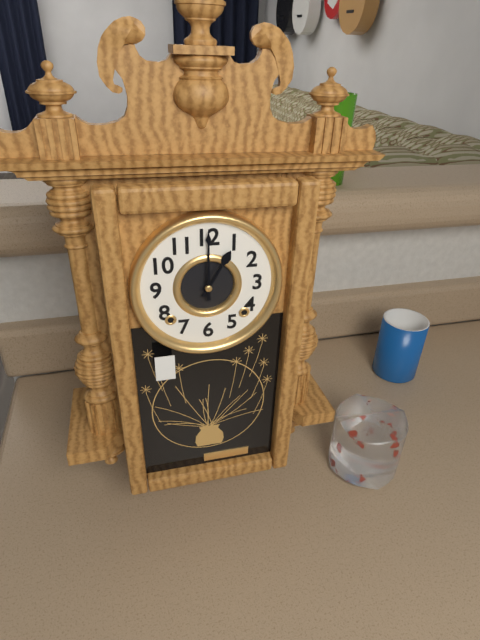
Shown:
1 h 00 min
